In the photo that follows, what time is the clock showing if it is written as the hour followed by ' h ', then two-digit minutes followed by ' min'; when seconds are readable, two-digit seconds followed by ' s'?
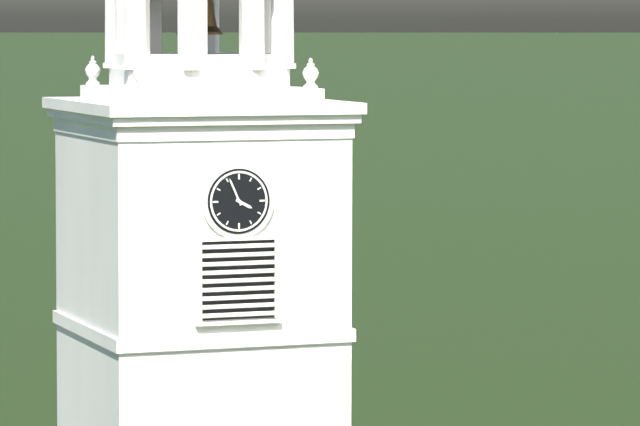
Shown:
3 h 56 min
